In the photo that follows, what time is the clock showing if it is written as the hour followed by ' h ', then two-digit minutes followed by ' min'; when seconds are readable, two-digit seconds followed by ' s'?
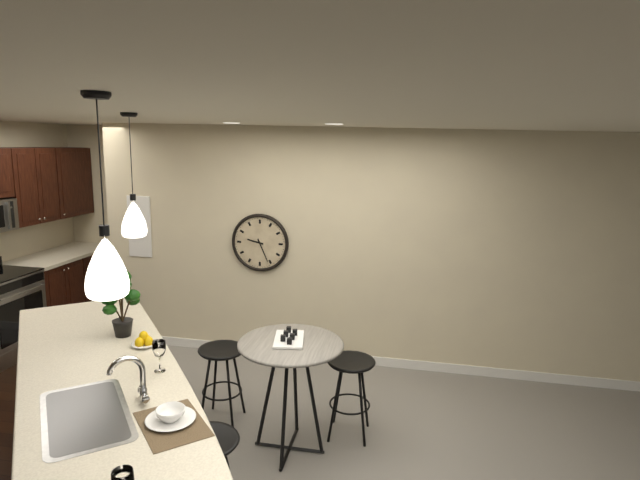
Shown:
9 h 26 min
